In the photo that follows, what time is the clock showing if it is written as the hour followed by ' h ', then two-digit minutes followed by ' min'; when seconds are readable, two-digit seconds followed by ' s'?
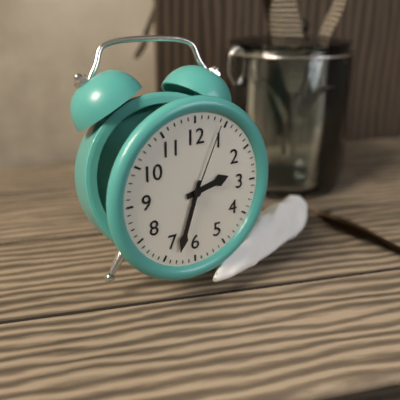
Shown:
2 h 33 min 04 s
